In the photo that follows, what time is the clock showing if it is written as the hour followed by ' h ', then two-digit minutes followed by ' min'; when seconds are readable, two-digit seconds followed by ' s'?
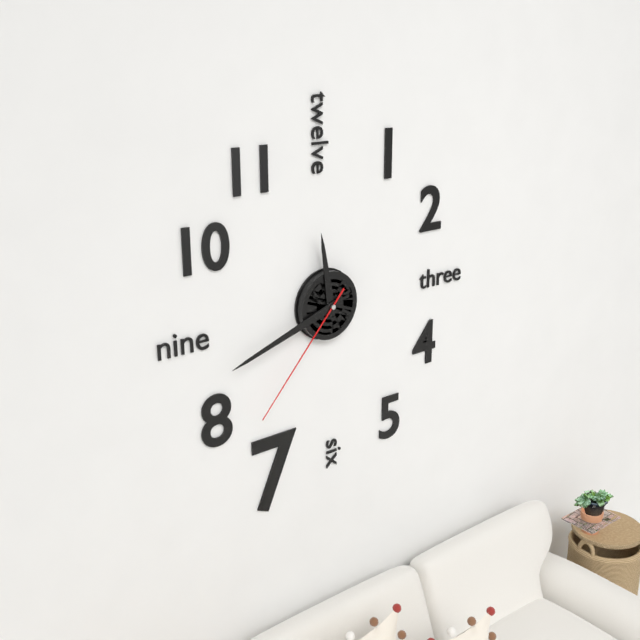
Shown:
11 h 42 min 37 s
